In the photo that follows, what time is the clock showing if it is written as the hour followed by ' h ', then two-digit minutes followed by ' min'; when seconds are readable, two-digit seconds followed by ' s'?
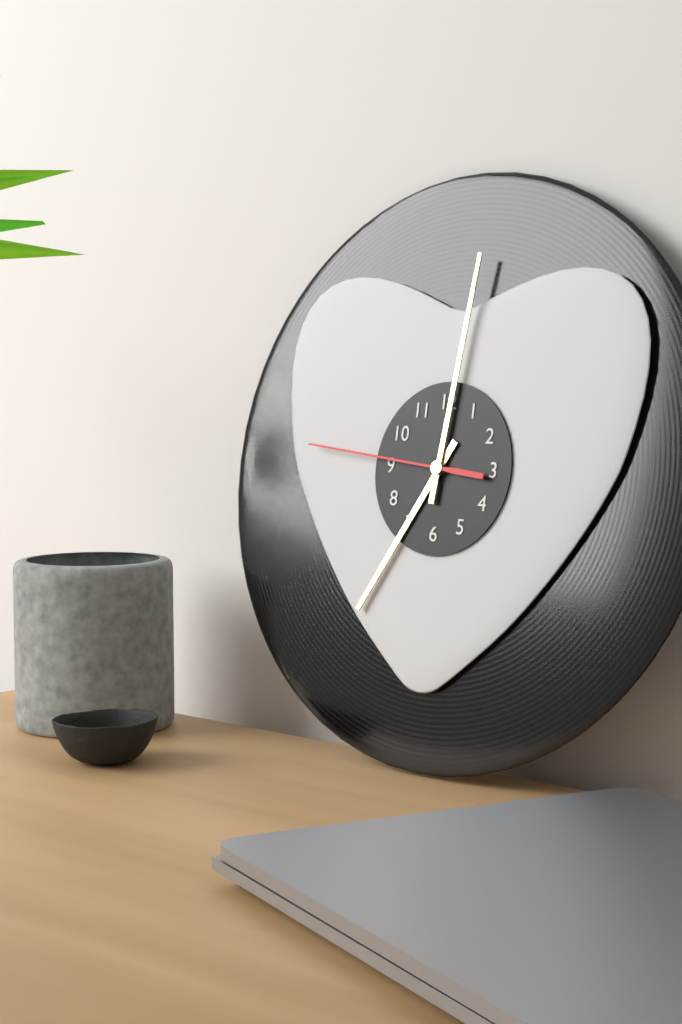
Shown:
7 h 01 min 46 s
